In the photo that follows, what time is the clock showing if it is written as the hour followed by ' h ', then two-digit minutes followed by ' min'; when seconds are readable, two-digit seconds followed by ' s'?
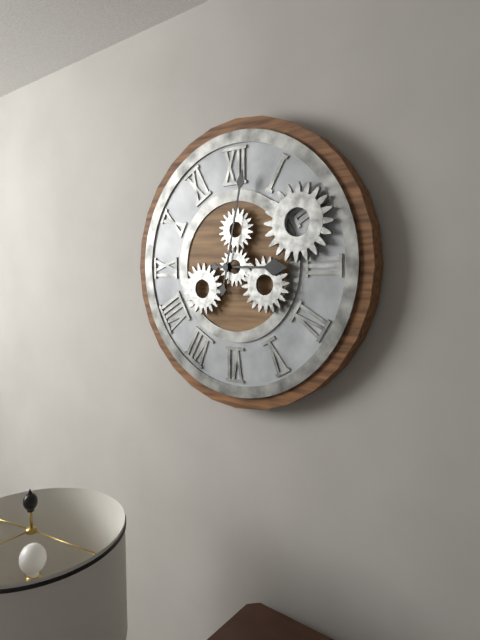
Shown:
3 h 02 min
